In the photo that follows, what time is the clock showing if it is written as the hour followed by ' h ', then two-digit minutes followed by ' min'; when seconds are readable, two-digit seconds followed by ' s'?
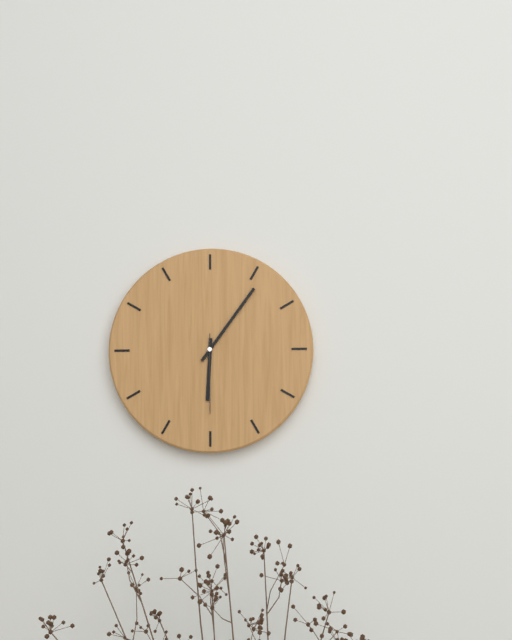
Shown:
6 h 06 min 30 s
